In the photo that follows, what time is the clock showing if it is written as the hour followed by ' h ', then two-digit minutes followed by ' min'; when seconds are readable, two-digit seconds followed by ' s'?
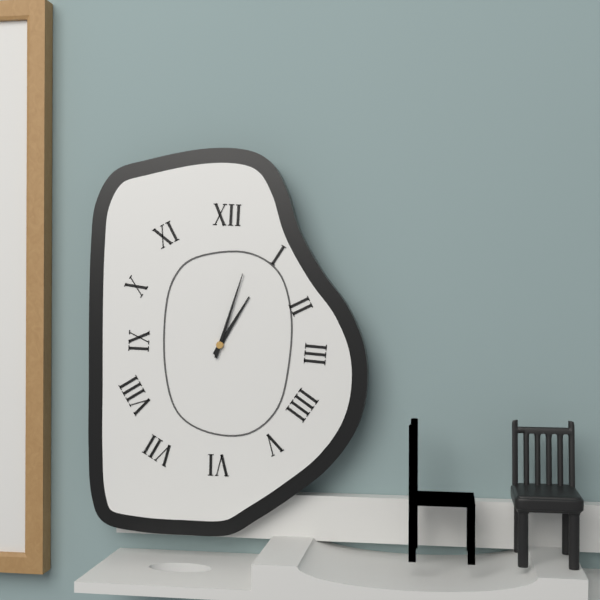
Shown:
1 h 03 min
